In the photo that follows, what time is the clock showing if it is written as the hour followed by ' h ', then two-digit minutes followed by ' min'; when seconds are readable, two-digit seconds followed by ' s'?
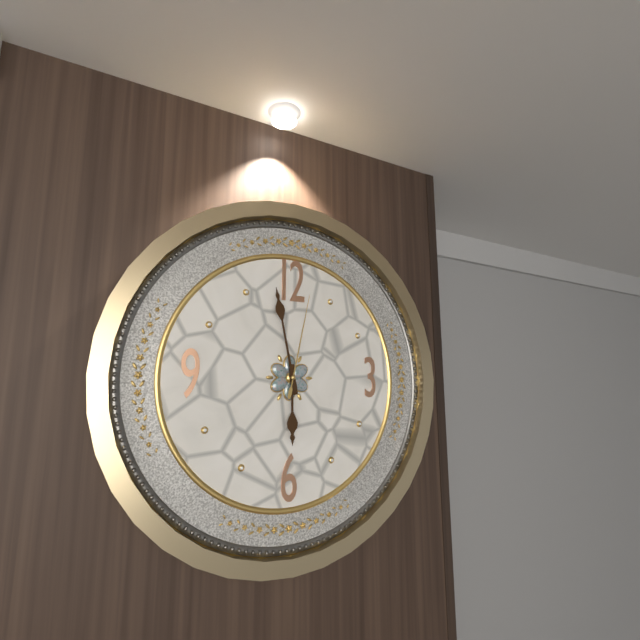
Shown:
5 h 58 min 02 s
